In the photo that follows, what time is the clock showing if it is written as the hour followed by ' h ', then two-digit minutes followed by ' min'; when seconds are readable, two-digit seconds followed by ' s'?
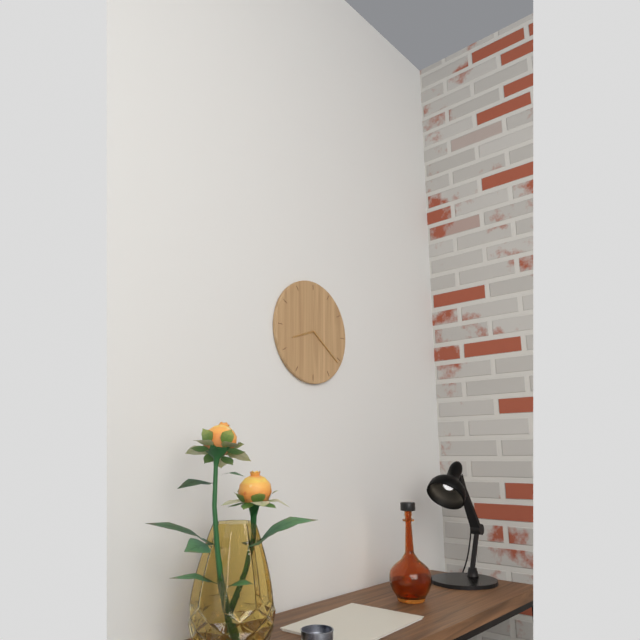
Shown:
8 h 21 min
